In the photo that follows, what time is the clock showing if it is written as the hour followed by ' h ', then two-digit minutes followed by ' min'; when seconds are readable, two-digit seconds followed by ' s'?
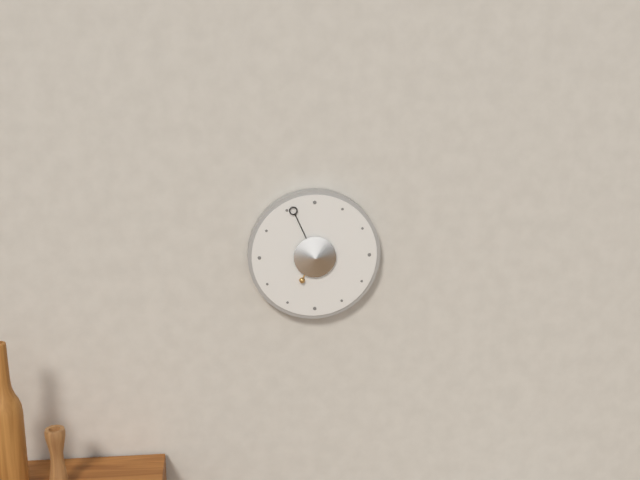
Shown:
6 h 56 min
